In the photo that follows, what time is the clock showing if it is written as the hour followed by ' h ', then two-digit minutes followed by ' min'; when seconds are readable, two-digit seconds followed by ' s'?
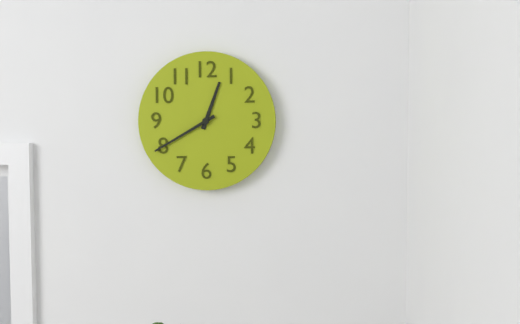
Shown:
12 h 40 min
